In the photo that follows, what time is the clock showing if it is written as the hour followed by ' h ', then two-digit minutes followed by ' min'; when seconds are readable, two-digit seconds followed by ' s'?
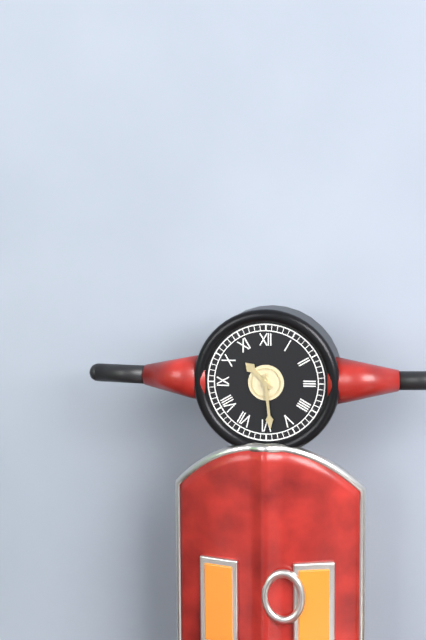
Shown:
10 h 29 min
